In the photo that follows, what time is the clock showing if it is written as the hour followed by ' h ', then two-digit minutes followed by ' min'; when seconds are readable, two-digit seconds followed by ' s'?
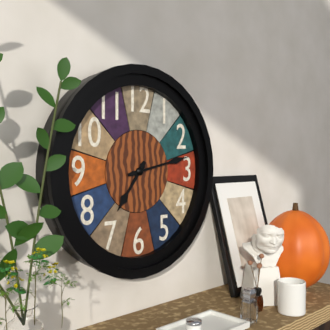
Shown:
7 h 13 min
